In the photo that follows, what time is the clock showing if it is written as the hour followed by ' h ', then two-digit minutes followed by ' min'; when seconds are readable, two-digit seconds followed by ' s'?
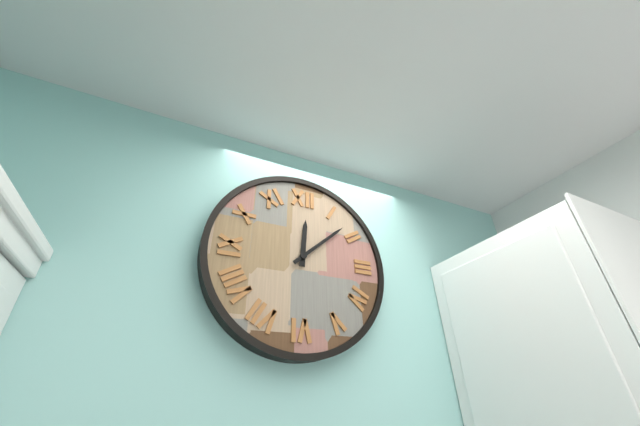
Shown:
12 h 08 min
